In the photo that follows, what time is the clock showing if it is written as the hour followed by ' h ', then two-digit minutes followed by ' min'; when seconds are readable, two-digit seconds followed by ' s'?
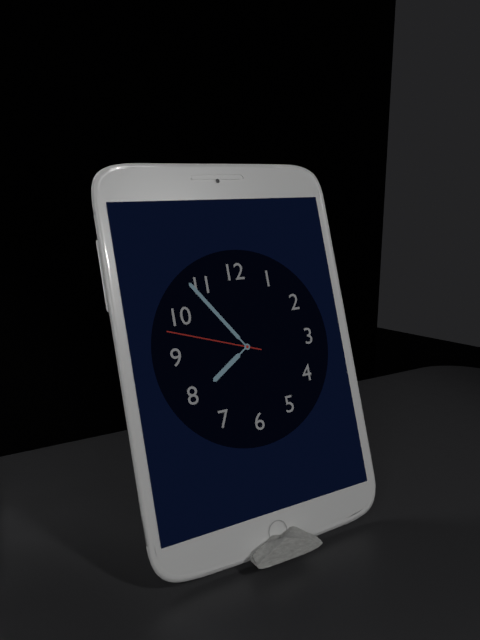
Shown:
7 h 54 min 48 s
